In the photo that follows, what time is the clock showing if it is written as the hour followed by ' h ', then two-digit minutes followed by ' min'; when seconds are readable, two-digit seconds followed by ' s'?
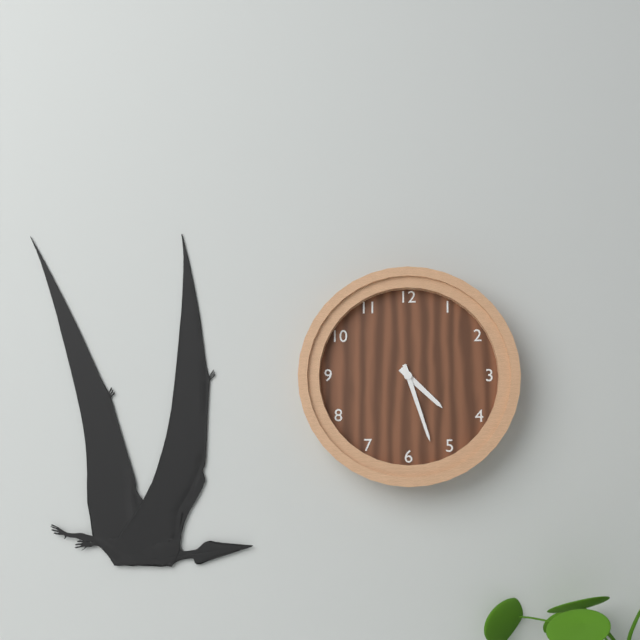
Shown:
4 h 27 min
